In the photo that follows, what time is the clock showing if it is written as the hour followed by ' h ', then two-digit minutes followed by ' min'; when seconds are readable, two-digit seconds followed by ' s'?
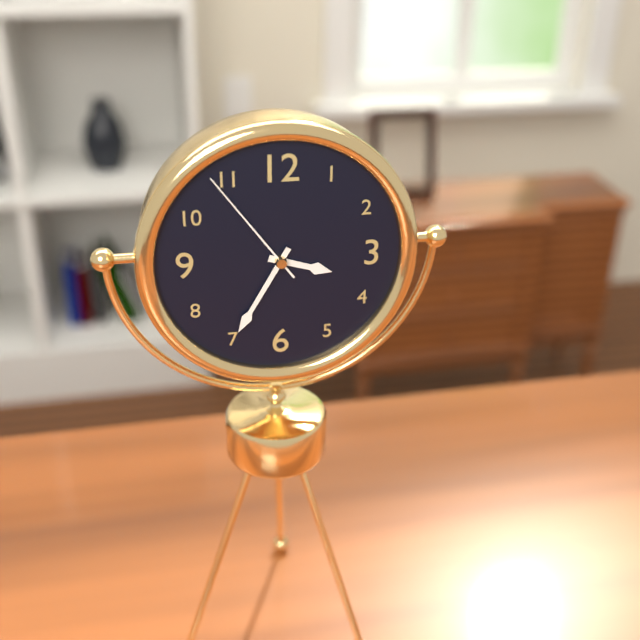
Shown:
3 h 35 min 54 s
